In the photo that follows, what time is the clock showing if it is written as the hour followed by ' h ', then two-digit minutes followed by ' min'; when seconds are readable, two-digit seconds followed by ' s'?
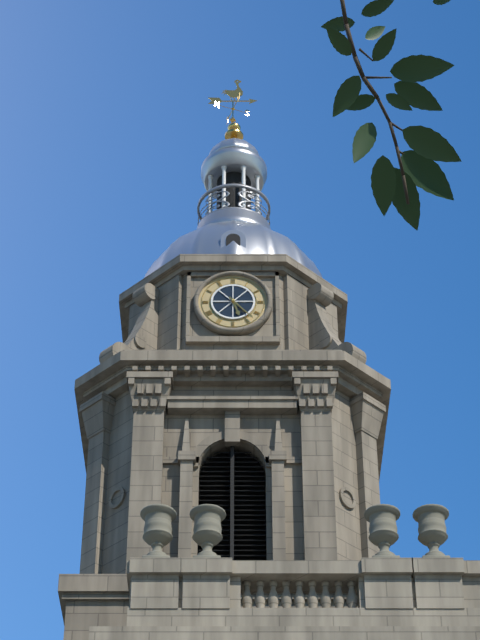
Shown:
5 h 23 min
